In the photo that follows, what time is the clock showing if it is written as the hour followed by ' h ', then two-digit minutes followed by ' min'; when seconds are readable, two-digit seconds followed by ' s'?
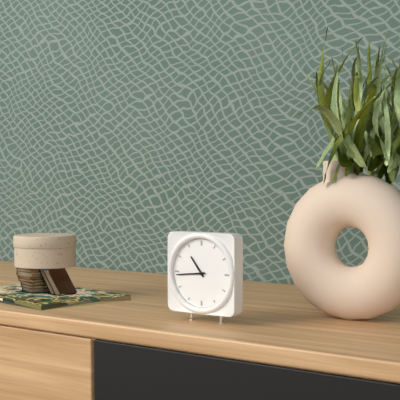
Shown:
10 h 44 min
